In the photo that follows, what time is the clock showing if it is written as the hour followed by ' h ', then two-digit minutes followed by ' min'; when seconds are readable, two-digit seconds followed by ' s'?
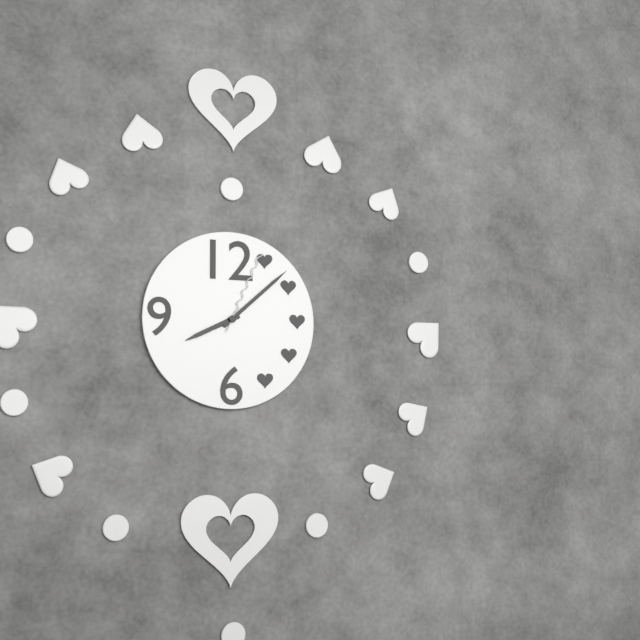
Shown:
8 h 08 min 04 s
